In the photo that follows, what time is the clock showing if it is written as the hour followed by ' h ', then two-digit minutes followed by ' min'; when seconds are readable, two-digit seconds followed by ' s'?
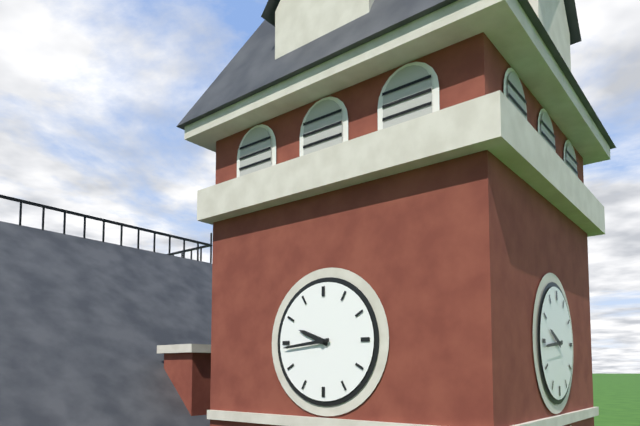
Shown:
9 h 44 min
